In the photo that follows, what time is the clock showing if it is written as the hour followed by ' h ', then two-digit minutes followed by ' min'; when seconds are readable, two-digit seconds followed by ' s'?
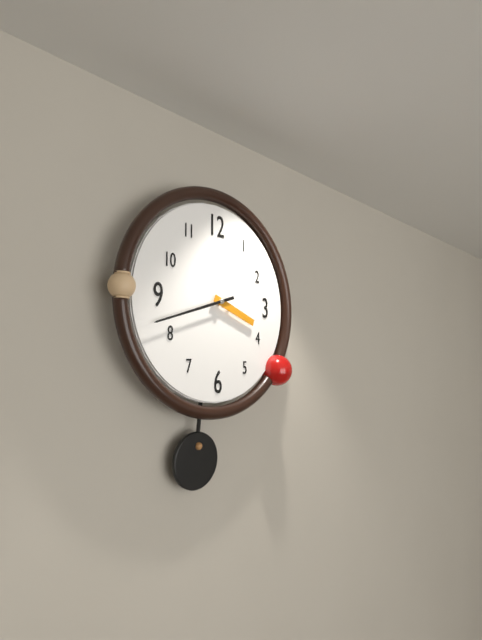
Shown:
3 h 42 min
